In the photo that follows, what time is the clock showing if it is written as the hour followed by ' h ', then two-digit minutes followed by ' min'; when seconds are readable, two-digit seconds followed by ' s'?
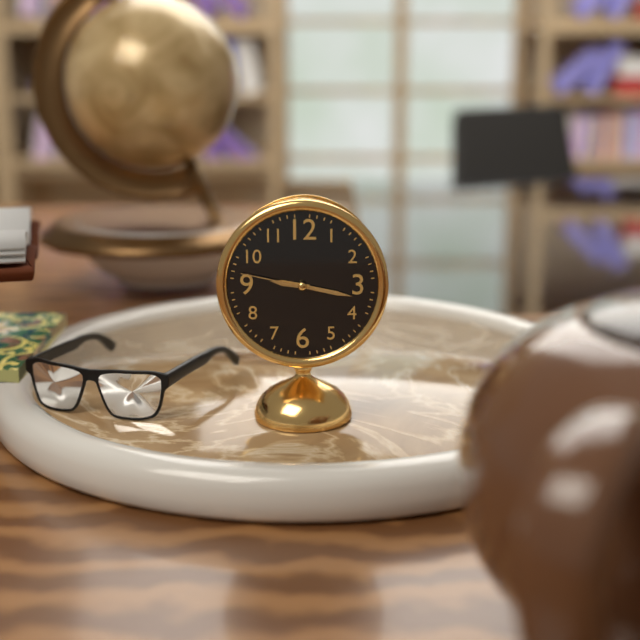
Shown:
9 h 17 min 47 s
